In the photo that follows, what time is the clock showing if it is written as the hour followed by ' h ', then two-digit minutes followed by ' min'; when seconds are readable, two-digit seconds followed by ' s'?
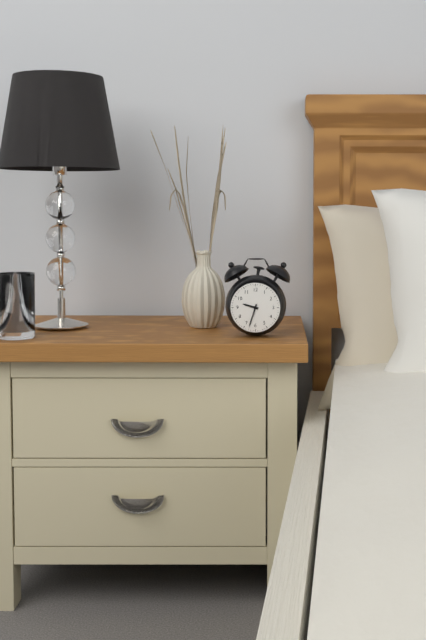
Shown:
9 h 33 min
